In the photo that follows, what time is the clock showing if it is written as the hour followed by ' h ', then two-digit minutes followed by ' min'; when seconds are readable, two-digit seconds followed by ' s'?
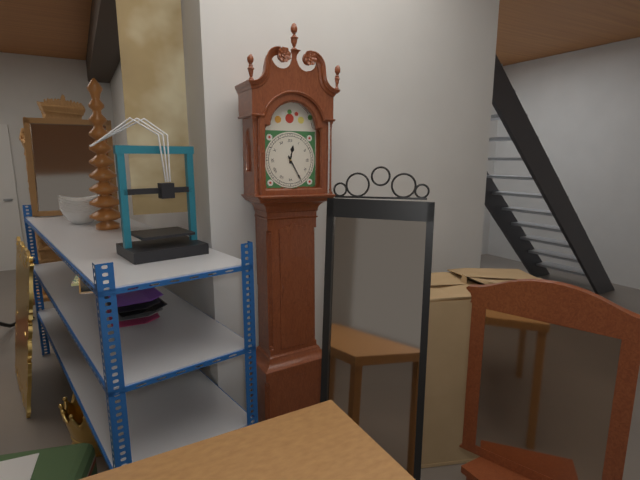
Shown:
12 h 25 min
